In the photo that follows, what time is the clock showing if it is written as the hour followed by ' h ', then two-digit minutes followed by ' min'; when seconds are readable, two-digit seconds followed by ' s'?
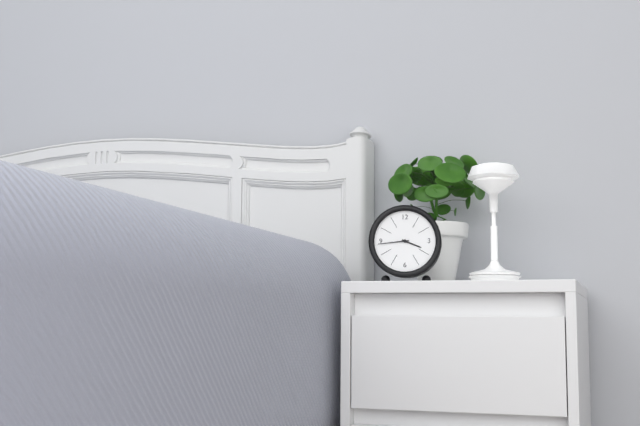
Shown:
3 h 44 min
